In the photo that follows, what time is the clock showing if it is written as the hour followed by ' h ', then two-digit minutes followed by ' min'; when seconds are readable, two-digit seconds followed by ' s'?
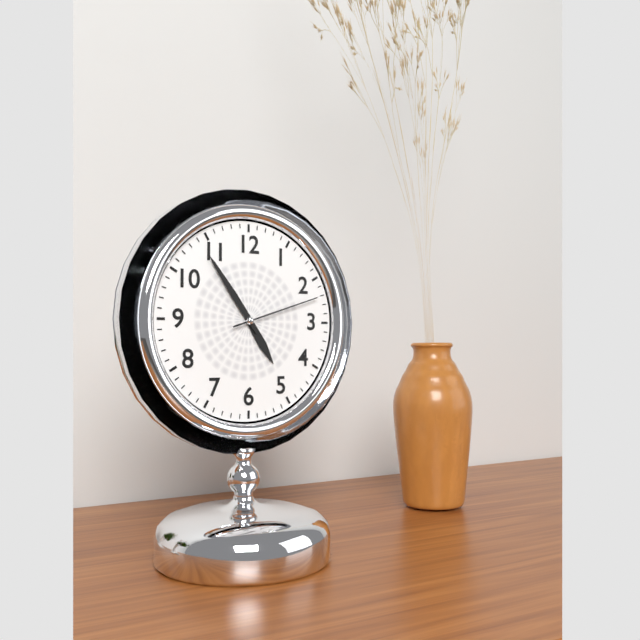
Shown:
4 h 54 min 12 s
